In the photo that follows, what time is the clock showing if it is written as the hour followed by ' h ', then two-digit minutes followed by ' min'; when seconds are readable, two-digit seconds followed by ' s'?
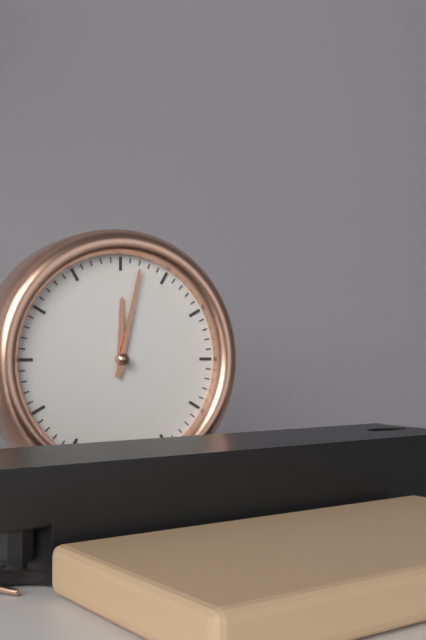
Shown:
12 h 02 min
